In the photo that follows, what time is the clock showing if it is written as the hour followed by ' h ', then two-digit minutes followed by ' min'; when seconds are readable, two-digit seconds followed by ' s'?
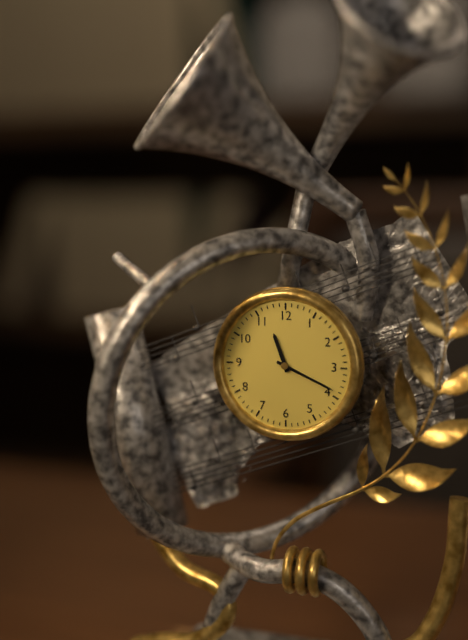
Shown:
11 h 19 min
